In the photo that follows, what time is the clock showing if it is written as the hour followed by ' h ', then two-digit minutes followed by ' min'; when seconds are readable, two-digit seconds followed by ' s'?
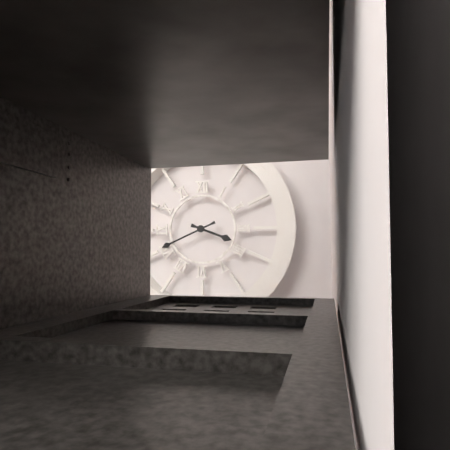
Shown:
3 h 41 min
